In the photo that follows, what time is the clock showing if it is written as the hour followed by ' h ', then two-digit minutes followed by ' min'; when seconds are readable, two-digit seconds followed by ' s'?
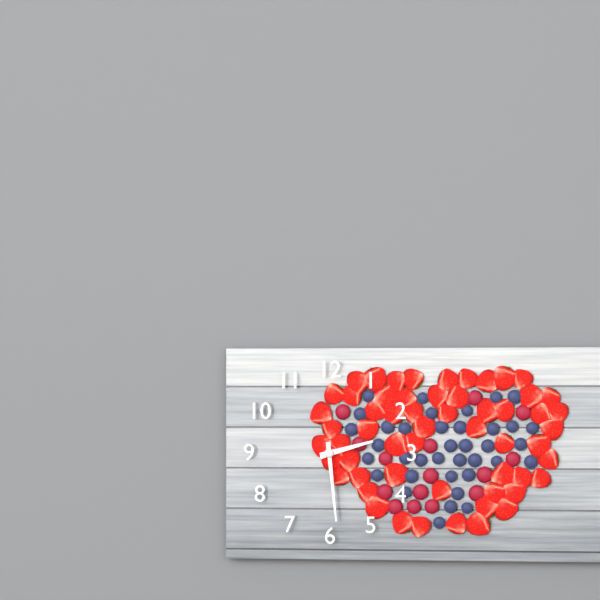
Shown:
2 h 29 min
